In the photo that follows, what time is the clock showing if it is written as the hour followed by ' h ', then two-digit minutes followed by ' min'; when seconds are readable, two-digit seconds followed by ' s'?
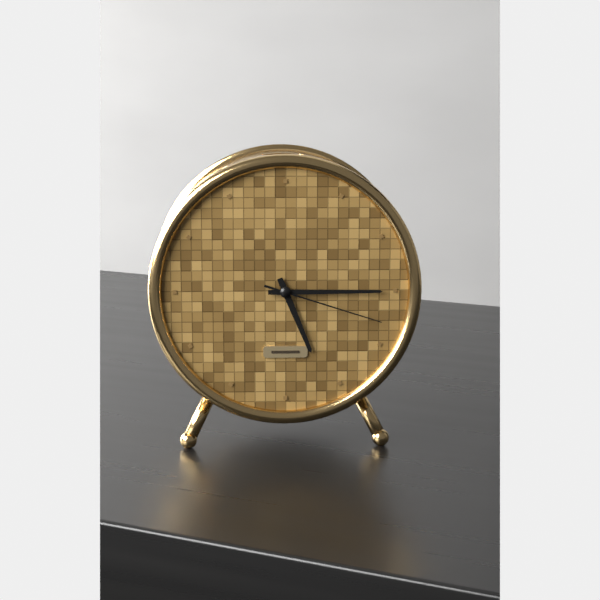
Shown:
5 h 15 min 18 s
